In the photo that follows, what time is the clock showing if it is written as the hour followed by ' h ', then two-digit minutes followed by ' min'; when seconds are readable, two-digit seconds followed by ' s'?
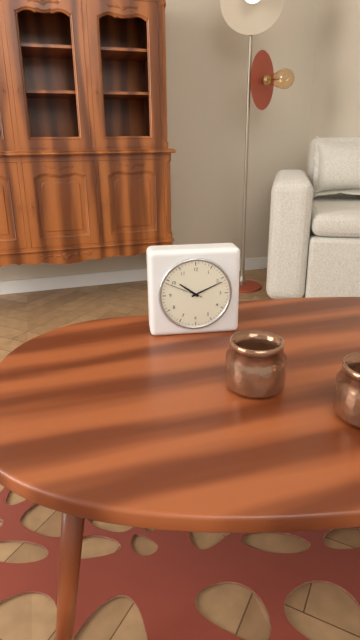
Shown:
10 h 11 min
